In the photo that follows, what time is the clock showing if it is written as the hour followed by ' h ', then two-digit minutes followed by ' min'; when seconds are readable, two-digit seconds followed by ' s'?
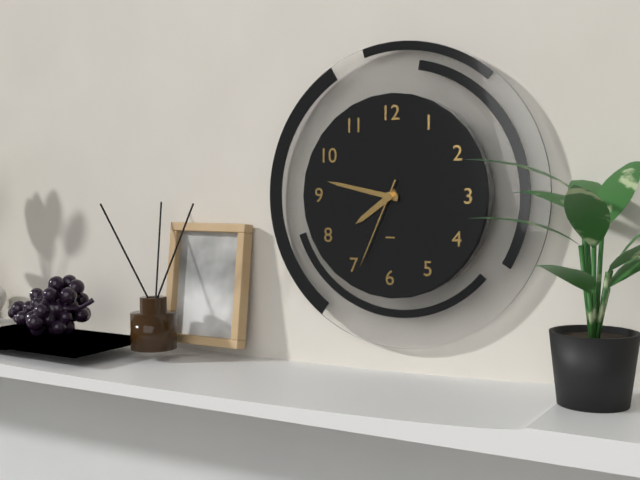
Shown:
7 h 47 min 34 s
